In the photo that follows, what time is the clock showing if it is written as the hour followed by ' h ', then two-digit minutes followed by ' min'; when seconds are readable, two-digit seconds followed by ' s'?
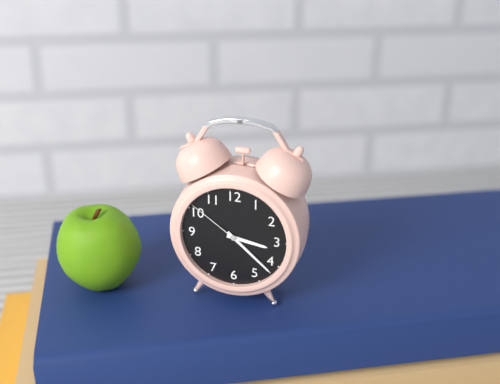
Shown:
3 h 22 min 51 s
